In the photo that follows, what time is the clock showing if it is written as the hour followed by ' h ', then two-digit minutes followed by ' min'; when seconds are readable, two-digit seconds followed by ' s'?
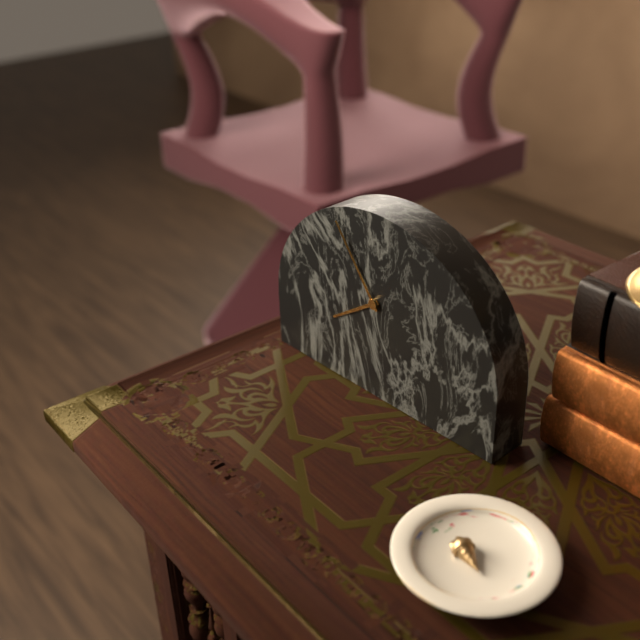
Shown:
7 h 54 min
